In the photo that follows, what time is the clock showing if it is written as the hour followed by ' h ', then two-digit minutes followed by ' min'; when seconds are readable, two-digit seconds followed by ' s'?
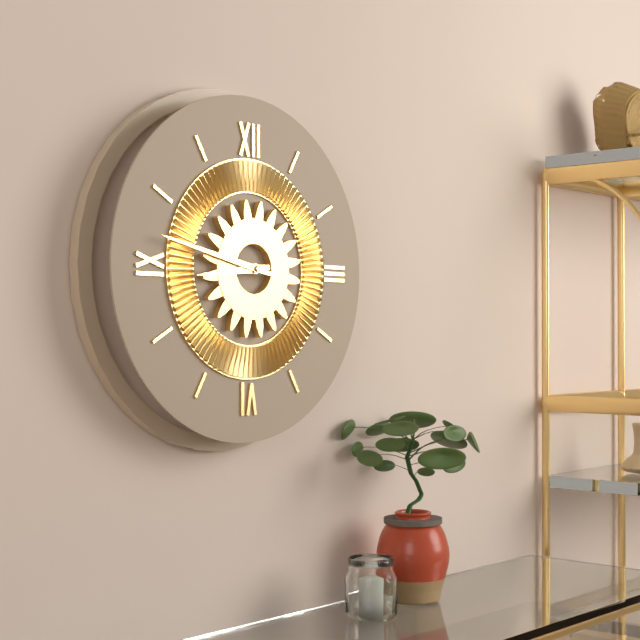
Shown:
8 h 47 min
